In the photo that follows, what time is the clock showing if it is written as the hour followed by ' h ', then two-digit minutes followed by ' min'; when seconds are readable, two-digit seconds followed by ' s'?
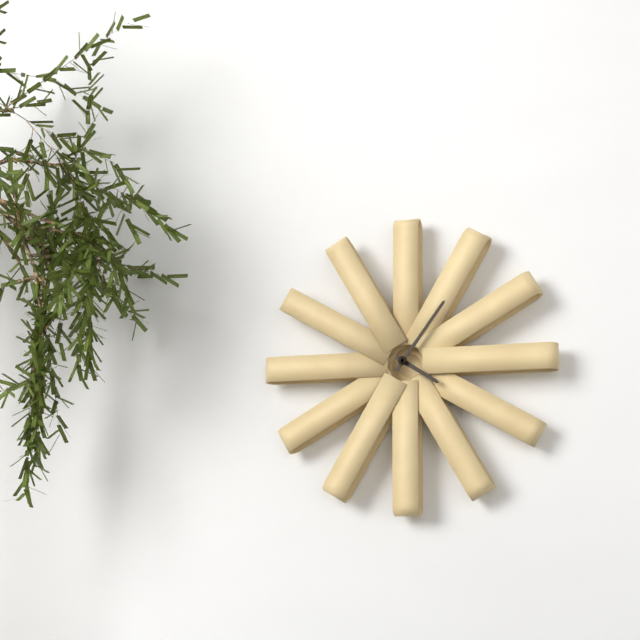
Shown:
4 h 06 min
